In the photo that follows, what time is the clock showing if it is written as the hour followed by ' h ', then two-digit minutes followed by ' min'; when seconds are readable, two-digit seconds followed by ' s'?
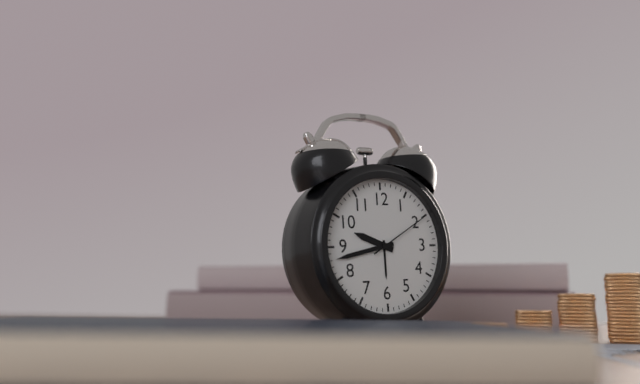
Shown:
9 h 43 min 10 s
